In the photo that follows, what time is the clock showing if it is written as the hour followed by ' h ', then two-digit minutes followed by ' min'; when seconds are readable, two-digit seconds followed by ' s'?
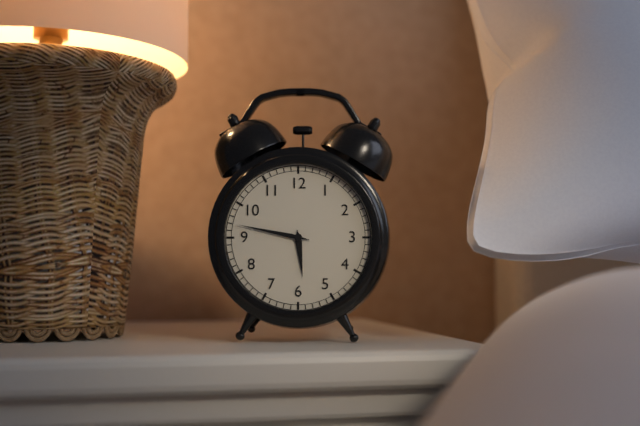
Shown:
5 h 47 min
